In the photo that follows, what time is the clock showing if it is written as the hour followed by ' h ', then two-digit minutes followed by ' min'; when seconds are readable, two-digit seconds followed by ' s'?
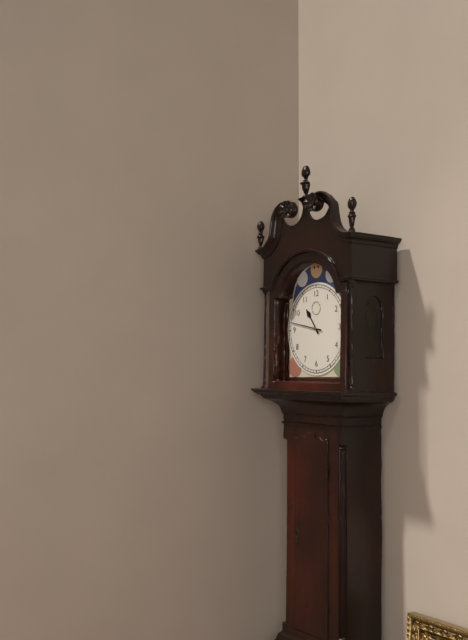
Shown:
10 h 47 min
